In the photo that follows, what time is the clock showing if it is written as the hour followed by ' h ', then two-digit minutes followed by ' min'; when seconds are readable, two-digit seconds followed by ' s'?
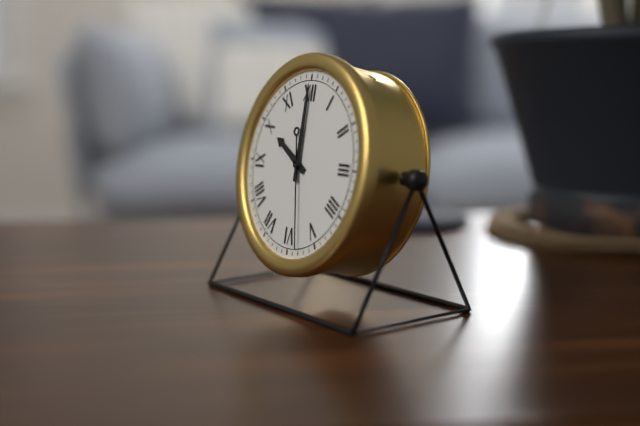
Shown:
10 h 00 min 28 s
